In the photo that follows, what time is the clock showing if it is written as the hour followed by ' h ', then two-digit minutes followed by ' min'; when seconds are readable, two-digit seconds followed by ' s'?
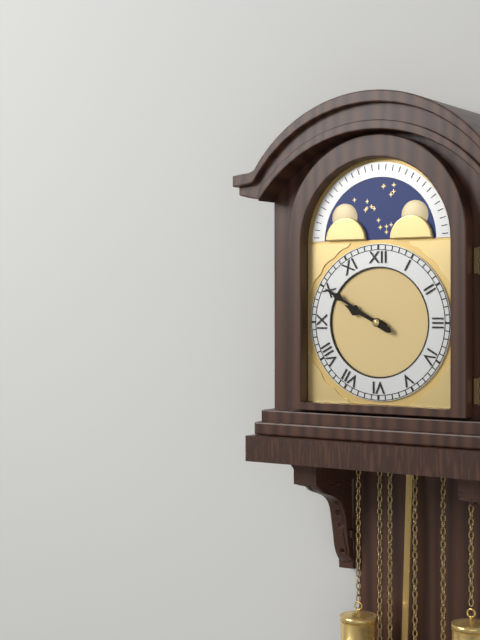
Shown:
9 h 50 min
